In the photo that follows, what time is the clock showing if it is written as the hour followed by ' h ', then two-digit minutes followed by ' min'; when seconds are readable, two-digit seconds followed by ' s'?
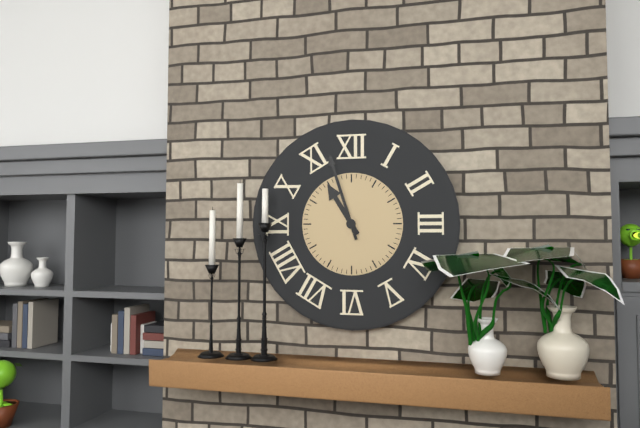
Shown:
10 h 57 min
